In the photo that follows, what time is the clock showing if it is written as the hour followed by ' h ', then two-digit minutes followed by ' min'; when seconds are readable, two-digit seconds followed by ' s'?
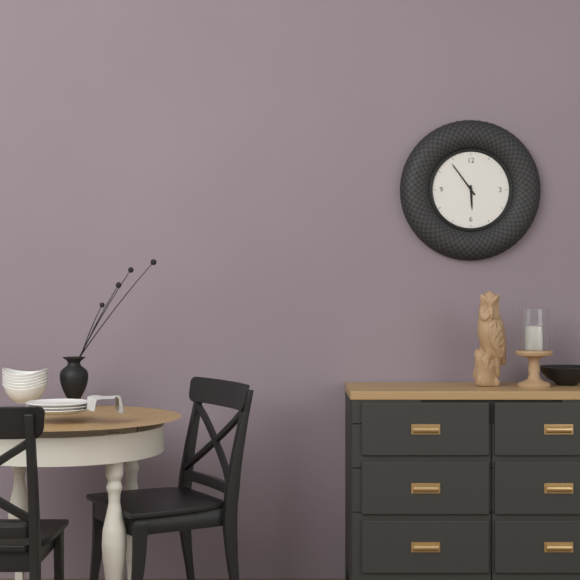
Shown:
5 h 54 min
